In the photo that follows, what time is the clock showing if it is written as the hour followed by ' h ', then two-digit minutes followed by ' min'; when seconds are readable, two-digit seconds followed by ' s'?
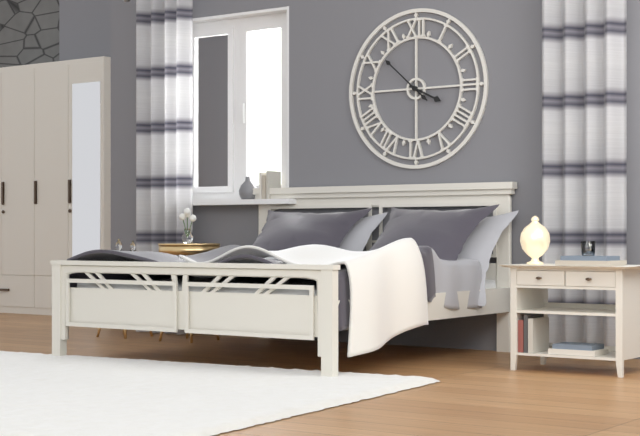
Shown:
3 h 52 min
